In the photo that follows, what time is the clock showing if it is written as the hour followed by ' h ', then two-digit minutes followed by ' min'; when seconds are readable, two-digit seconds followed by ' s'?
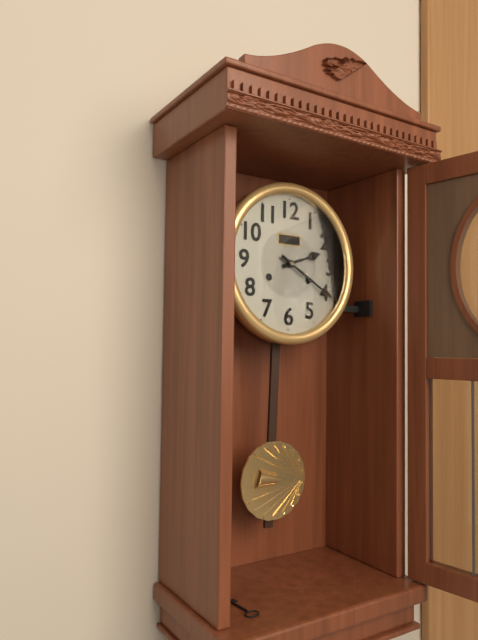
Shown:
2 h 20 min
